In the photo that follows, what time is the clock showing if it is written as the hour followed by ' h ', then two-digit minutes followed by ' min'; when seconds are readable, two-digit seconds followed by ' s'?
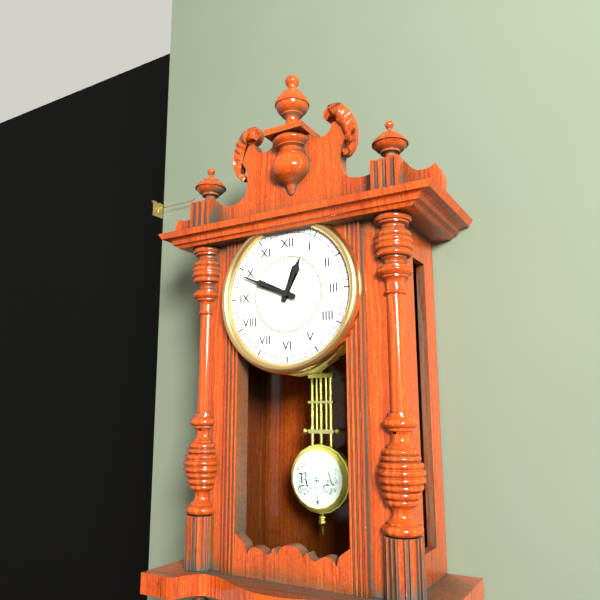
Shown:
12 h 49 min
